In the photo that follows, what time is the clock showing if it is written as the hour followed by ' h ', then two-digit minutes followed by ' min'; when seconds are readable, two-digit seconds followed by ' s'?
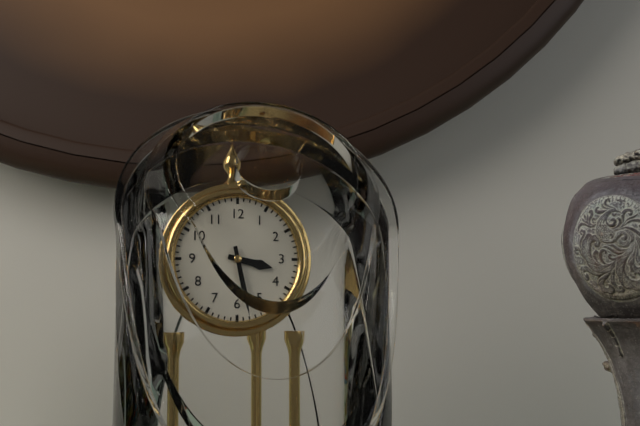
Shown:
3 h 28 min
